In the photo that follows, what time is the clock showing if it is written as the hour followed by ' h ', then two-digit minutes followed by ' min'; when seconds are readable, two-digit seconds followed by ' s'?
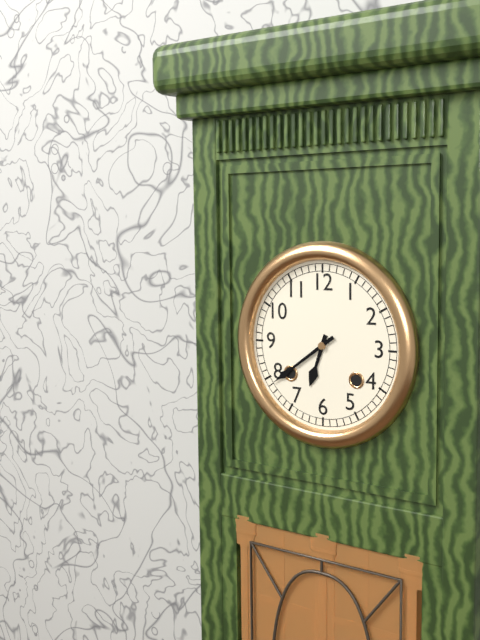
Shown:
6 h 39 min
